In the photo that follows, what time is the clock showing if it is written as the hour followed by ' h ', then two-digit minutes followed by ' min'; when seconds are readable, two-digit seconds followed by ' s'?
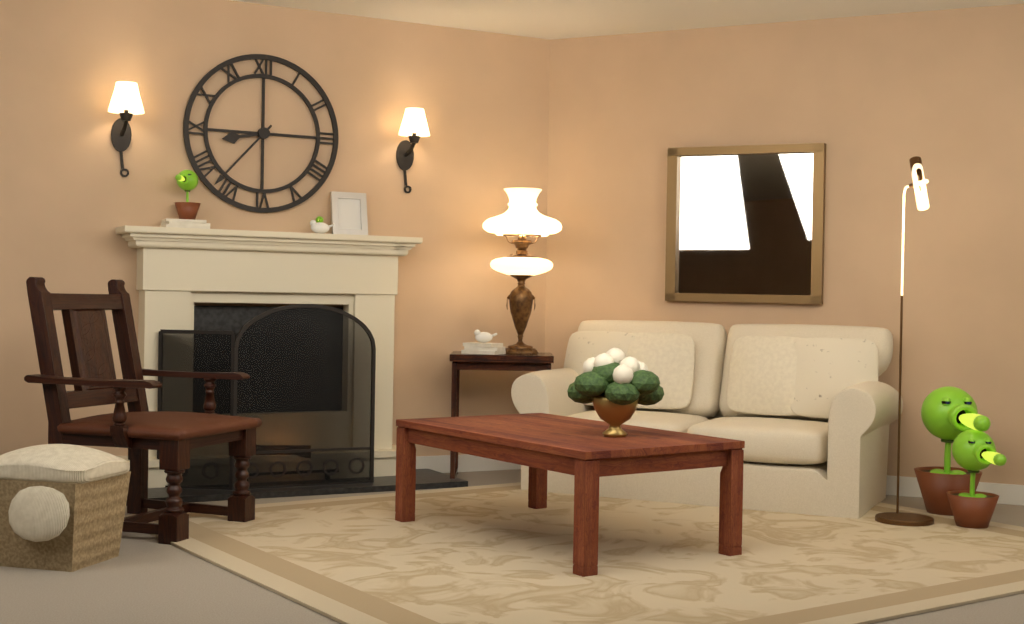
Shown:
8 h 37 min
